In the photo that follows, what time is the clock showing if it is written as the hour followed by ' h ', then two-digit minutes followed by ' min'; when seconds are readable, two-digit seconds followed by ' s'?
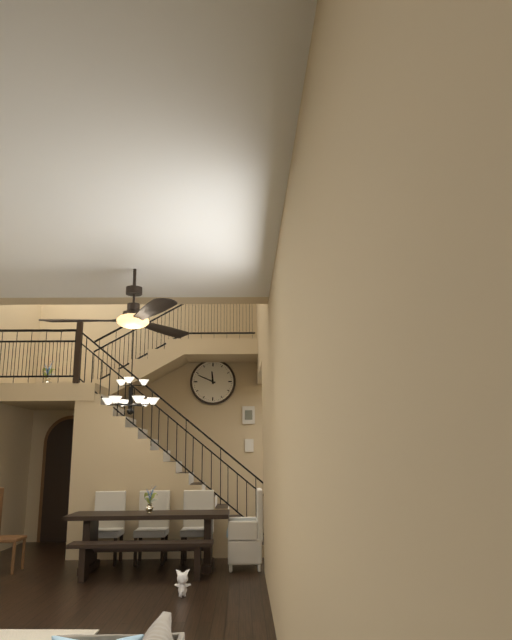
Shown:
11 h 49 min
